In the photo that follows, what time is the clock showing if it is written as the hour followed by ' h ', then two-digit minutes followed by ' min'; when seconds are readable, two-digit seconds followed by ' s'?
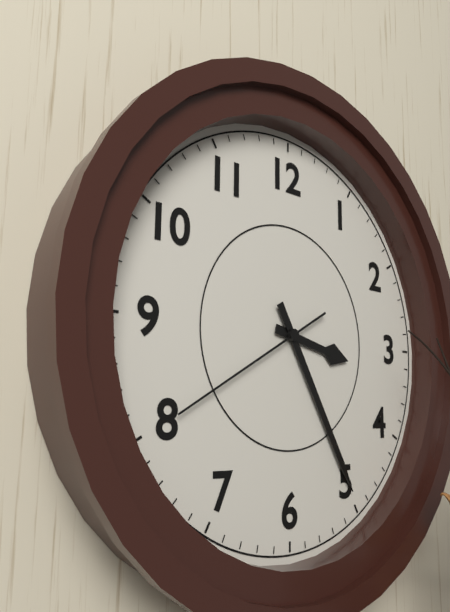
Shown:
3 h 25 min 40 s
